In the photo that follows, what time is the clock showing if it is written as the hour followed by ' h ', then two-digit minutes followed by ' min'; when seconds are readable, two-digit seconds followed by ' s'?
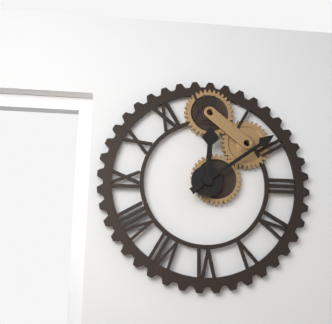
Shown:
12 h 09 min
